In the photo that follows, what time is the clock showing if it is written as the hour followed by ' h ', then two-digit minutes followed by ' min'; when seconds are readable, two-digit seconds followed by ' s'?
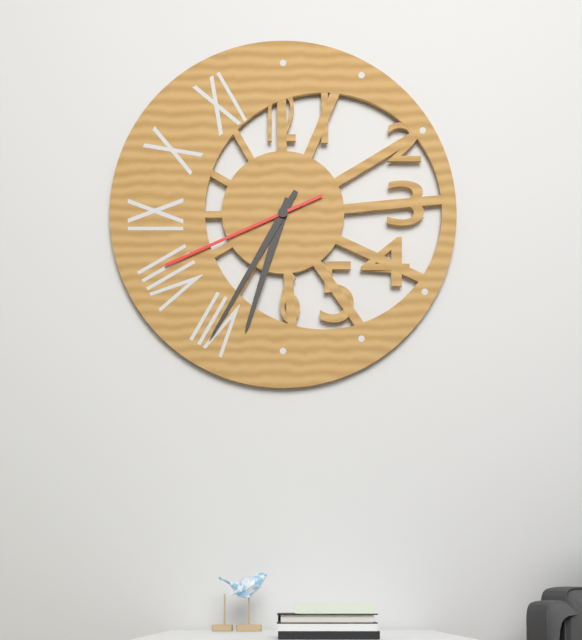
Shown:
6 h 35 min 41 s
